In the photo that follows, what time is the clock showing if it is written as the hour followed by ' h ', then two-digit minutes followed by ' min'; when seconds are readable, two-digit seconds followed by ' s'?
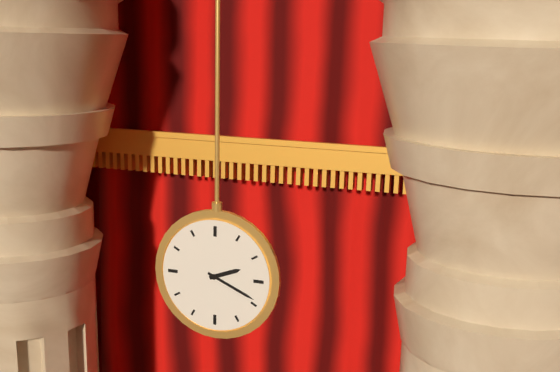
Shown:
2 h 19 min
